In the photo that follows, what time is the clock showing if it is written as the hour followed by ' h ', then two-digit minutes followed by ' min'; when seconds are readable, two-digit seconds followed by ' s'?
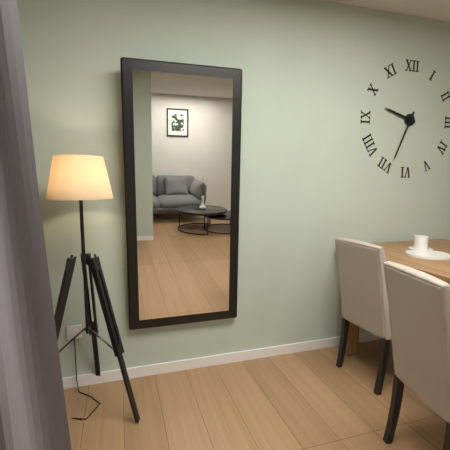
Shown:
9 h 34 min
